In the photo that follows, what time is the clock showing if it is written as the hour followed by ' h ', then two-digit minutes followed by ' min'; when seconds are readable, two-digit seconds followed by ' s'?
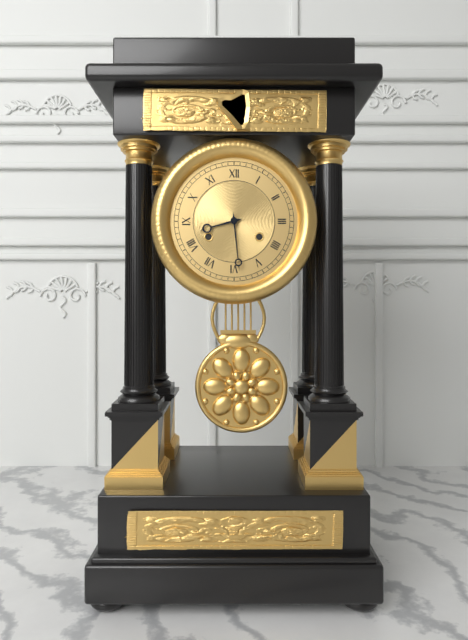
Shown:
8 h 29 min
